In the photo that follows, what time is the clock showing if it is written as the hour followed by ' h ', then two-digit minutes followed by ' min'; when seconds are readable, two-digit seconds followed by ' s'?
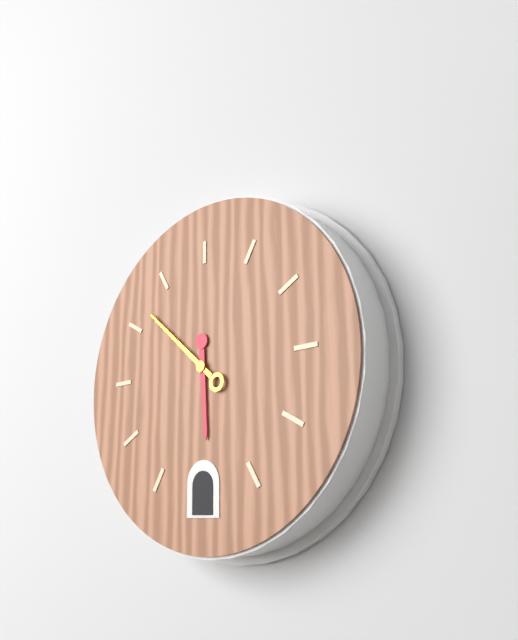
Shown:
5 h 52 min
